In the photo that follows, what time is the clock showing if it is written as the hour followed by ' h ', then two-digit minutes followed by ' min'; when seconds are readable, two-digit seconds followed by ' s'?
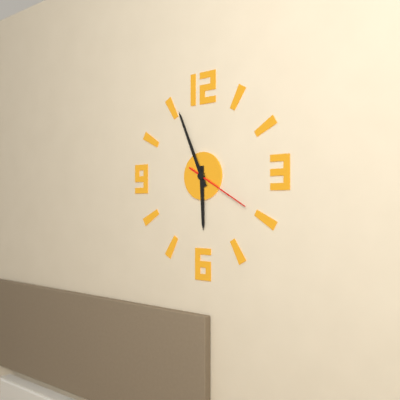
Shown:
5 h 56 min 20 s
